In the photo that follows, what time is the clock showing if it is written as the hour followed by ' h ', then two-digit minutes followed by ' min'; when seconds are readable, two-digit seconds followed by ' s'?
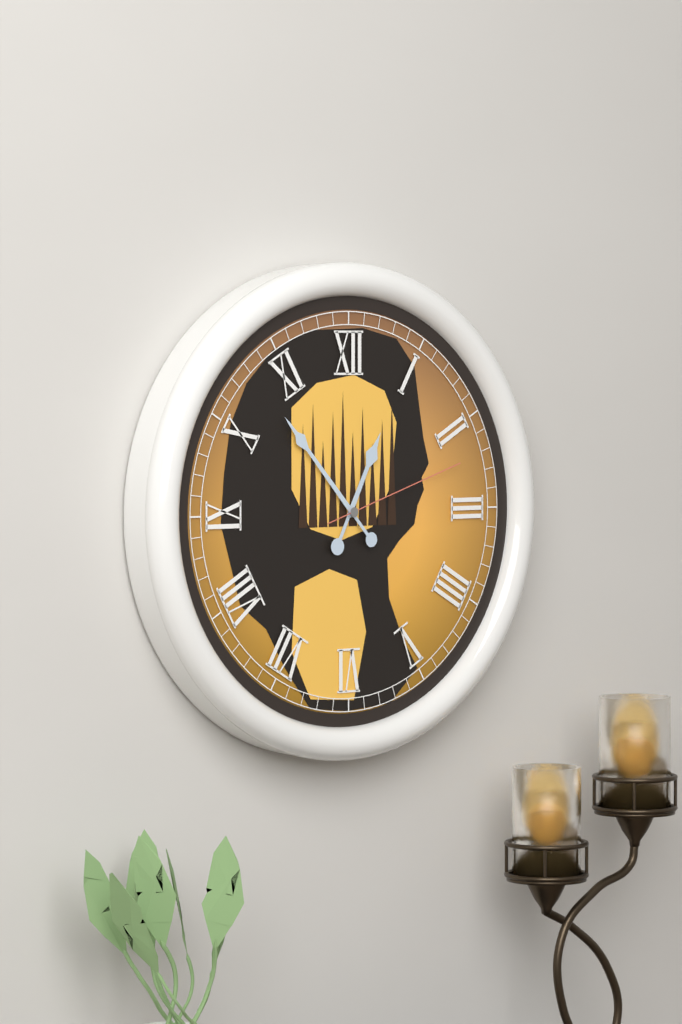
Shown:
12 h 53 min 12 s
